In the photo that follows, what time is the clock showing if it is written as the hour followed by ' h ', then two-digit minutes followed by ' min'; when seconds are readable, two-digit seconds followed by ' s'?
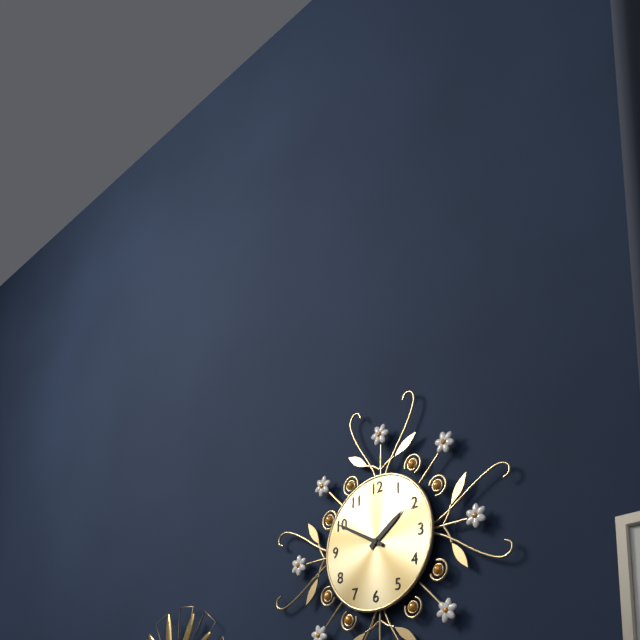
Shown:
1 h 50 min
